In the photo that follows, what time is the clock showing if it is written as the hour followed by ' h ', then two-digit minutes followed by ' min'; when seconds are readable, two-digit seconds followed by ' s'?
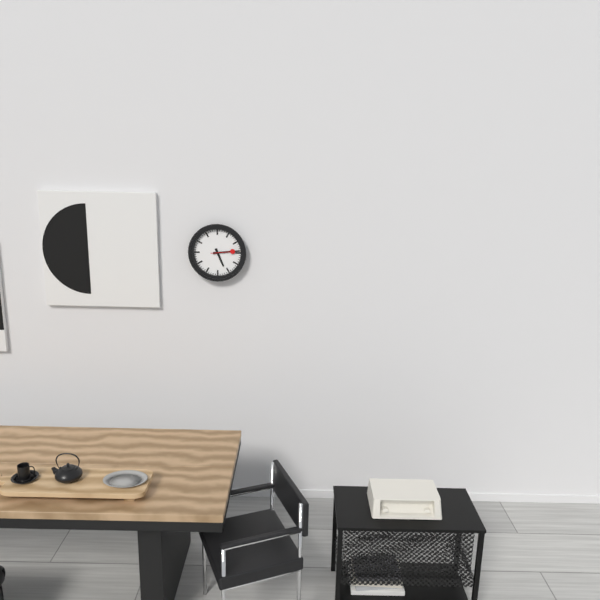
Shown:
5 h 14 min
